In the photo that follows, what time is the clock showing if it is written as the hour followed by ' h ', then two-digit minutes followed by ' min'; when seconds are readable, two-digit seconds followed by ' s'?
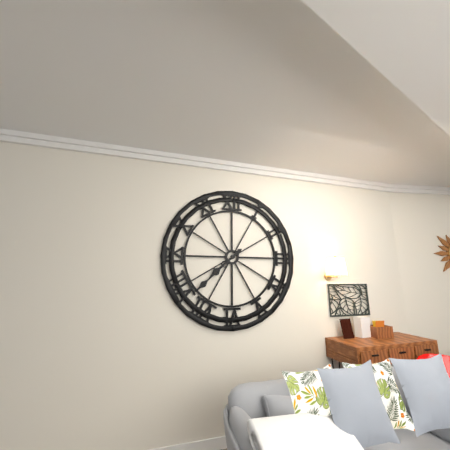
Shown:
7 h 38 min
